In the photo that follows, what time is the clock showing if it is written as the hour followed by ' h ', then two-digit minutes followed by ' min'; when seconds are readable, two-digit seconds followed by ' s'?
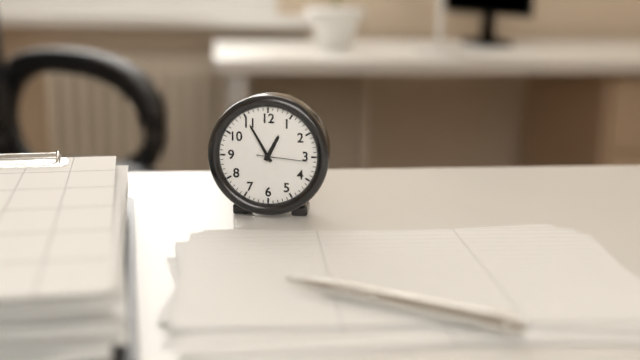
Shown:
12 h 55 min
